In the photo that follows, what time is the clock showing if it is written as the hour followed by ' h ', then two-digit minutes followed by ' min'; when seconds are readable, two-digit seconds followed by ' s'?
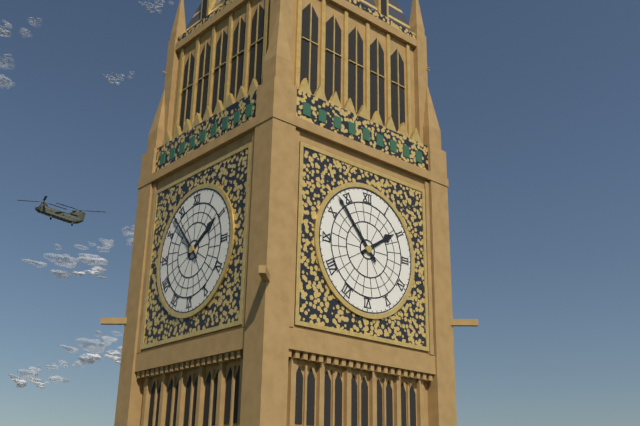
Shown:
1 h 53 min
